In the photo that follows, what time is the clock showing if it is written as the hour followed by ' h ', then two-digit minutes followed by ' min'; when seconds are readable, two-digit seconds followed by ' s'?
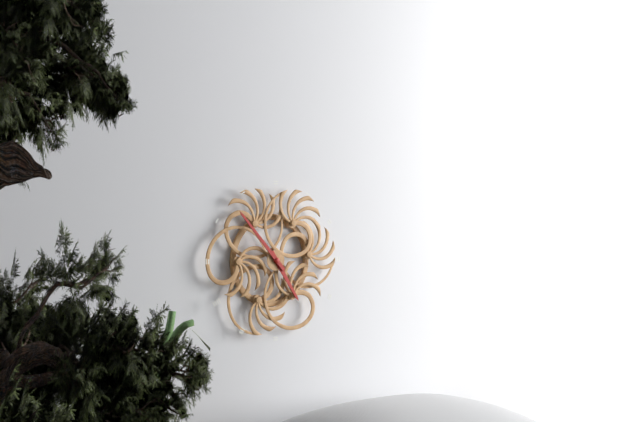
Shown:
4 h 53 min
